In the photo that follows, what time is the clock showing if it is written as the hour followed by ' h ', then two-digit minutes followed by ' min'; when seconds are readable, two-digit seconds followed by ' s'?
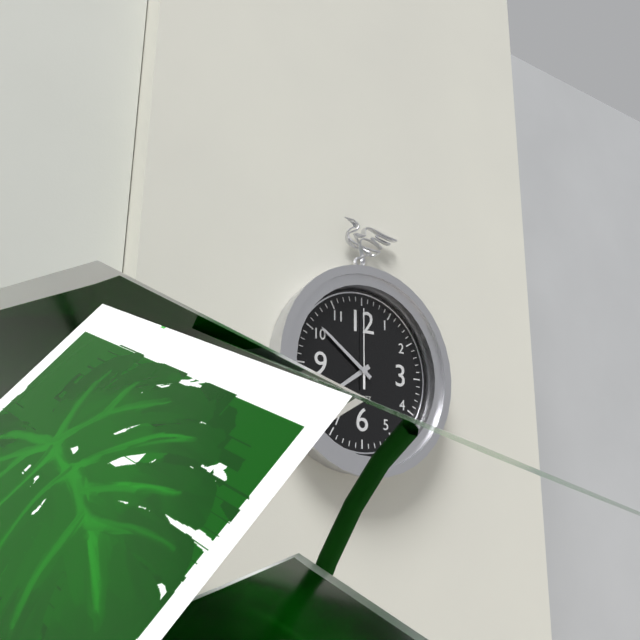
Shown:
7 h 51 min 00 s
